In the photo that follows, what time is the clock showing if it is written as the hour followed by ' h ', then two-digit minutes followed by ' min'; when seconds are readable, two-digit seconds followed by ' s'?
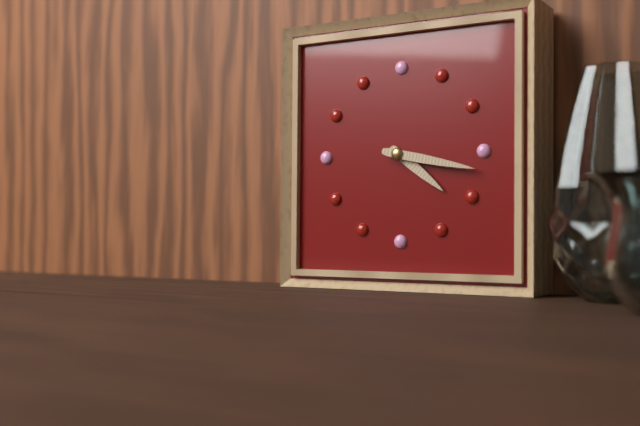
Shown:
4 h 17 min
